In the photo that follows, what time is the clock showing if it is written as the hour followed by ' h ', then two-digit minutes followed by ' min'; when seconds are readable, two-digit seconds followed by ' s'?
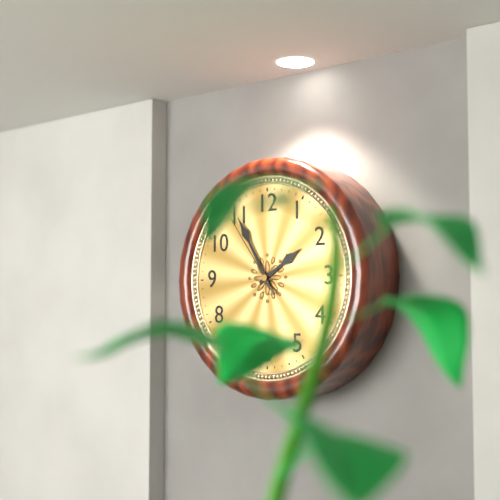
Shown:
1 h 55 min 54 s
